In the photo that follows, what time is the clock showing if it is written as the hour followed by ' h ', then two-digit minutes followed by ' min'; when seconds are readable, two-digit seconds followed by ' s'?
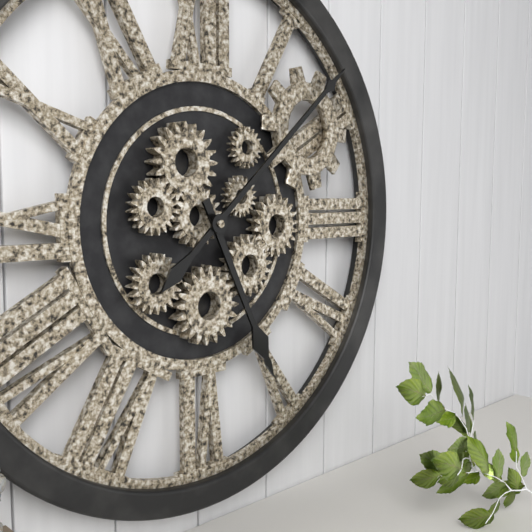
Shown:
5 h 08 min
